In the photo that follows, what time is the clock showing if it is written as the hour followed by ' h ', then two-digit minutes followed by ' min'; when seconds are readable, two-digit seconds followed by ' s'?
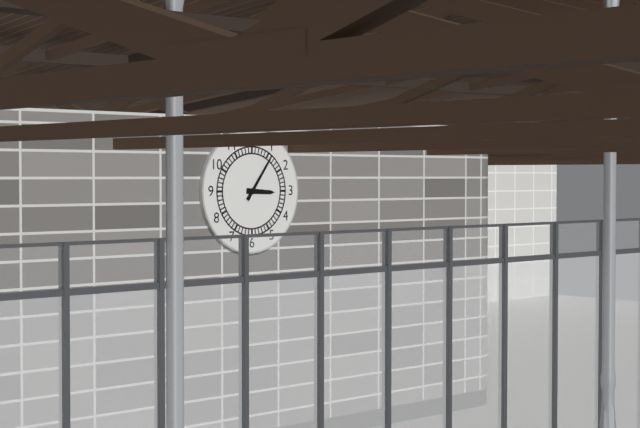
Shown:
3 h 06 min
